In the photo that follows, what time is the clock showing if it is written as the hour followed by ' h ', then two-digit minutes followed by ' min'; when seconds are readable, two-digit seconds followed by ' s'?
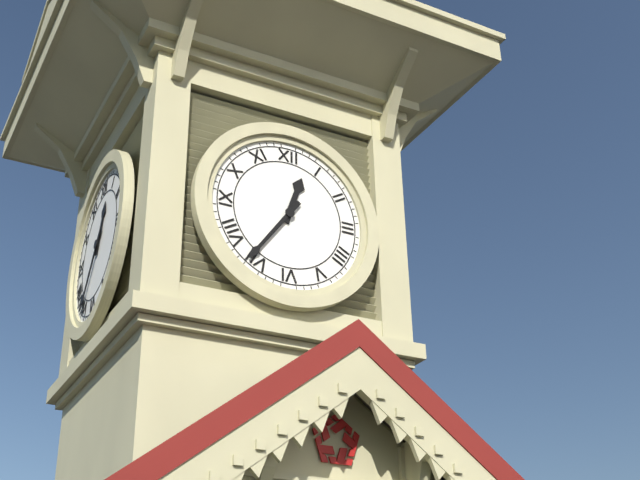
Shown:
12 h 36 min
